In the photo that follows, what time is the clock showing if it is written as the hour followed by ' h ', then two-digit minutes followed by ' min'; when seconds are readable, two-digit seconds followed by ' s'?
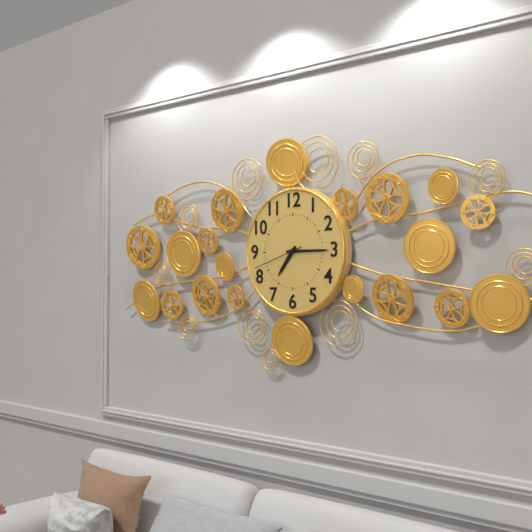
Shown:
7 h 15 min 42 s
